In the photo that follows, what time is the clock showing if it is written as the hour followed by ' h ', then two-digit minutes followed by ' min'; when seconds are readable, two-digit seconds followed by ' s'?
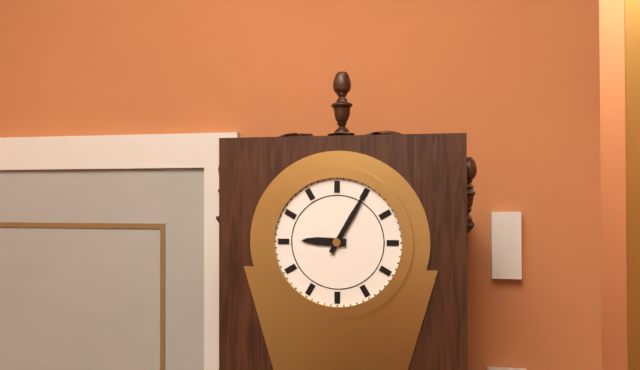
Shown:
9 h 05 min
